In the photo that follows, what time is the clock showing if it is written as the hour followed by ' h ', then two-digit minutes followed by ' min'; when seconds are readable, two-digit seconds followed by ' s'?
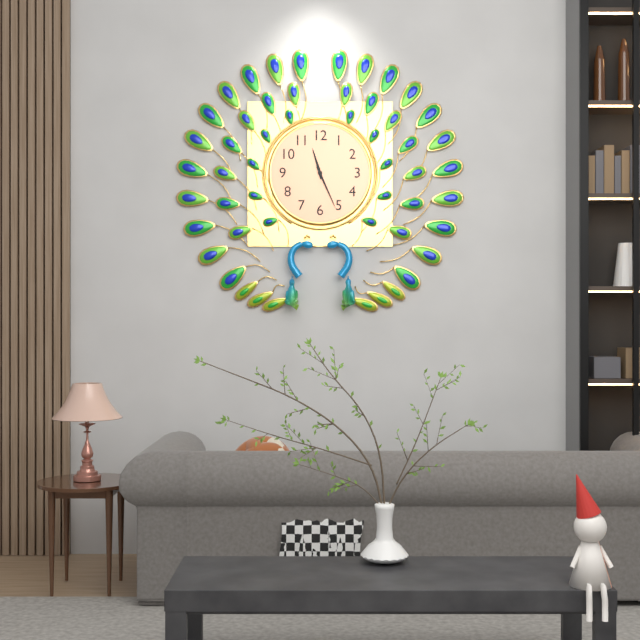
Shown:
11 h 26 min
